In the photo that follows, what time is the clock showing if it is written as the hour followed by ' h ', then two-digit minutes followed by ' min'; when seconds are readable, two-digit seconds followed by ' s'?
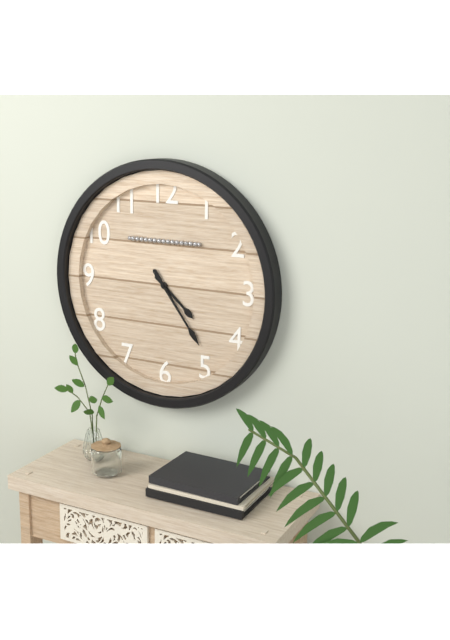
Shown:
4 h 24 min
